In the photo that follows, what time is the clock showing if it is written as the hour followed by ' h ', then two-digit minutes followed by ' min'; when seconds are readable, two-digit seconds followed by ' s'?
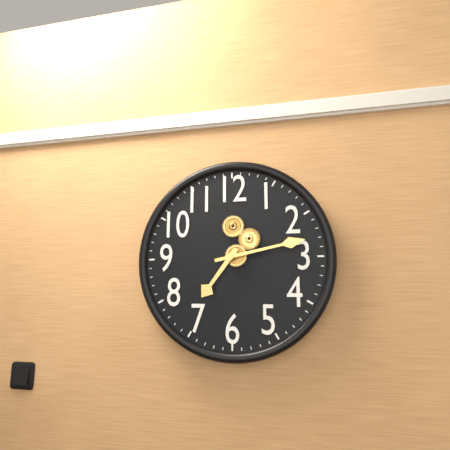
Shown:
7 h 13 min
